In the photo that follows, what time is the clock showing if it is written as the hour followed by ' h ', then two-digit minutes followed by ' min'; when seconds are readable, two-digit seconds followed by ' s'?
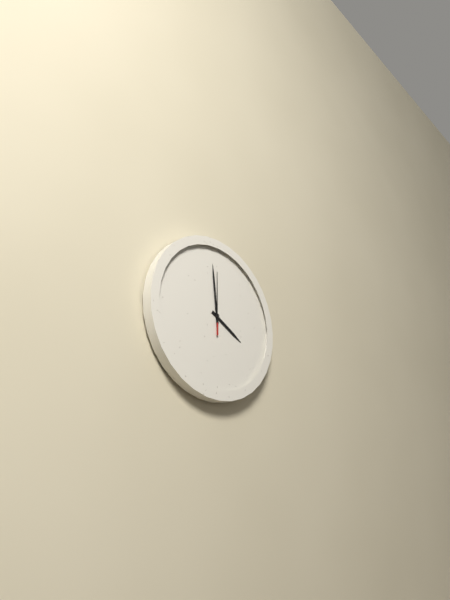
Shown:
3 h 59 min 00 s
